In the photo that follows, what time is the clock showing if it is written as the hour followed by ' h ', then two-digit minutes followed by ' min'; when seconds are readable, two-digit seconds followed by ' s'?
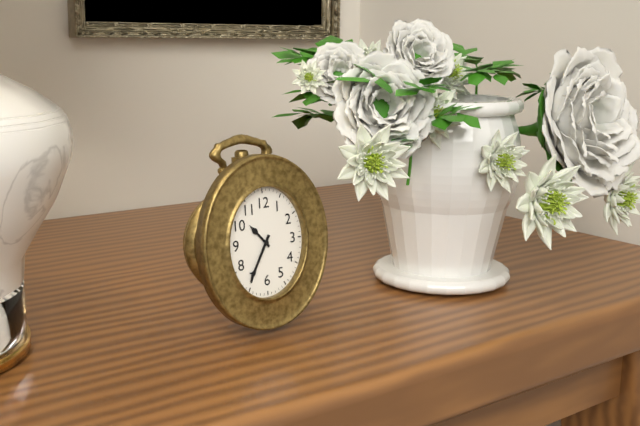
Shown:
10 h 35 min
